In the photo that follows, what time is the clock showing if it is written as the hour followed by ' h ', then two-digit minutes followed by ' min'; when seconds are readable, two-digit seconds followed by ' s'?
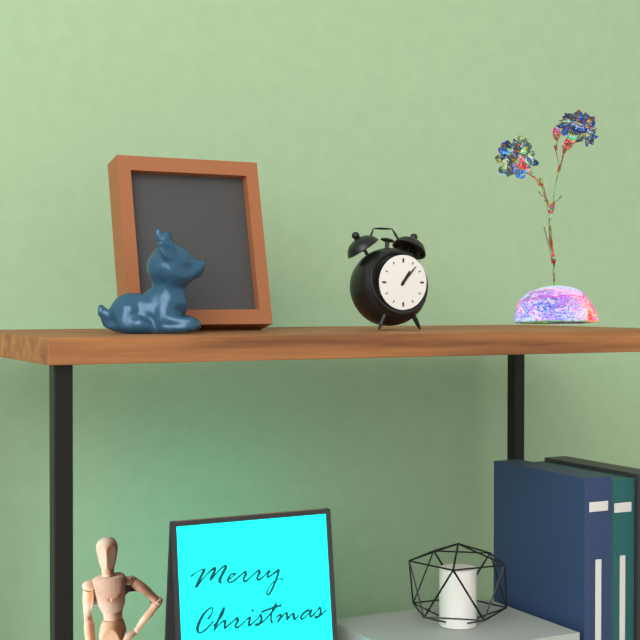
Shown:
1 h 07 min
